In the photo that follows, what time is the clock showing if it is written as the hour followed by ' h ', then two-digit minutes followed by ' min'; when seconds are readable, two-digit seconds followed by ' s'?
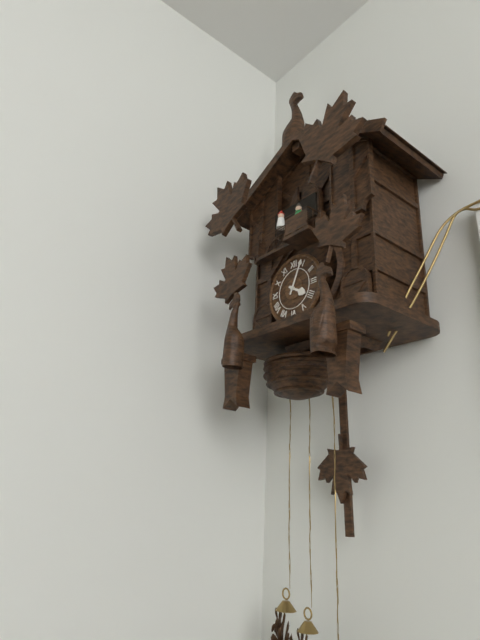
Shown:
4 h 04 min
